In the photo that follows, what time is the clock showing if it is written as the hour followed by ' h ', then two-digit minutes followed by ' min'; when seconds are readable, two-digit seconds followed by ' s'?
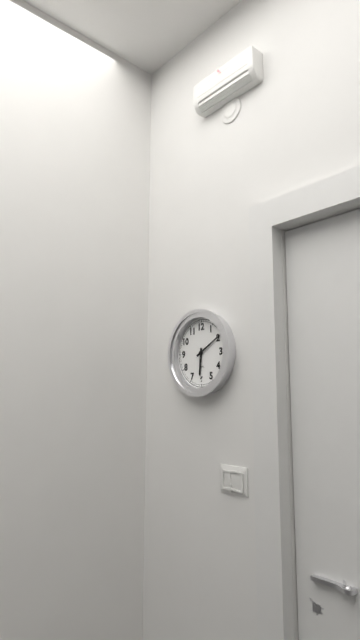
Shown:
6 h 10 min
